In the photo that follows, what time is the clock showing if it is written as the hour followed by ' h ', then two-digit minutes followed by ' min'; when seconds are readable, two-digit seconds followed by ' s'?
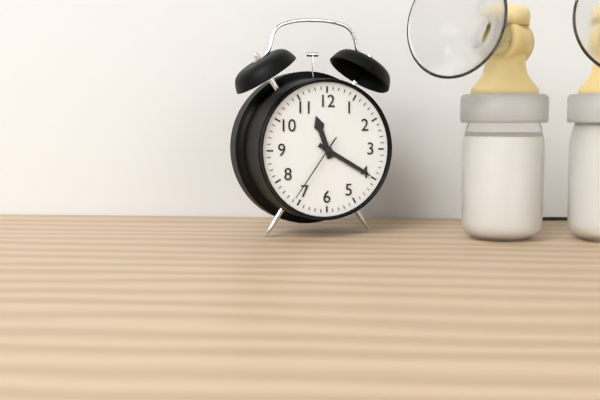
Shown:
11 h 20 min 36 s
